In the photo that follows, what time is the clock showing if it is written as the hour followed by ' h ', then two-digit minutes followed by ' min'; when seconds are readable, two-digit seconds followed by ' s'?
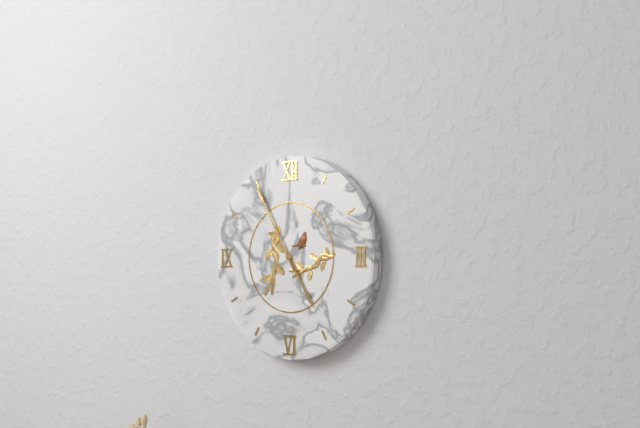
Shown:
4 h 55 min
